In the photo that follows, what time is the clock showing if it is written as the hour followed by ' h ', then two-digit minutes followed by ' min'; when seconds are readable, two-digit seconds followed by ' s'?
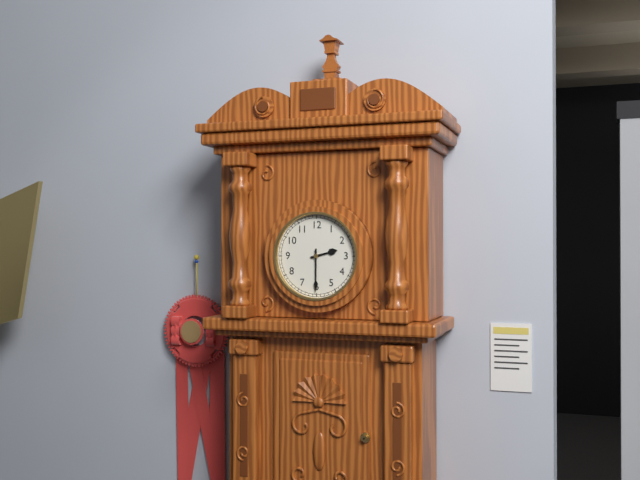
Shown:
2 h 30 min
